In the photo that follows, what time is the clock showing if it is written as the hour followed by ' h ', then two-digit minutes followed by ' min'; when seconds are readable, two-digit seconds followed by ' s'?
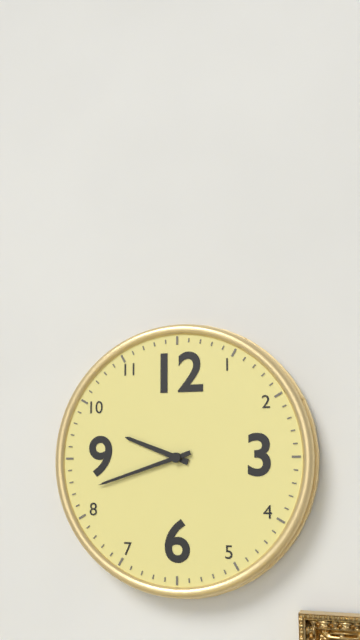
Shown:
9 h 42 min
